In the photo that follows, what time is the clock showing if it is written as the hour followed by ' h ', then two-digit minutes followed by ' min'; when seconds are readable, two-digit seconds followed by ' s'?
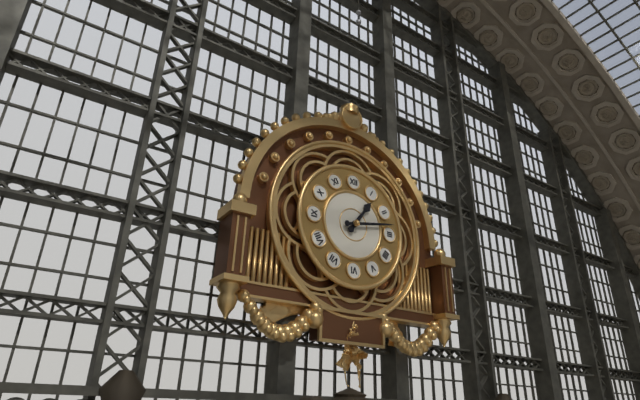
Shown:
1 h 13 min
